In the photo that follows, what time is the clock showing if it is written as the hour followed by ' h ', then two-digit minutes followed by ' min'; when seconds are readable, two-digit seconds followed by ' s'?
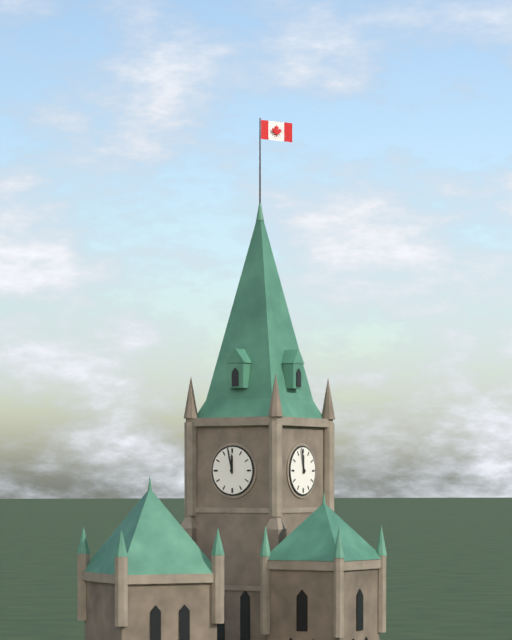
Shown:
11 h 58 min
